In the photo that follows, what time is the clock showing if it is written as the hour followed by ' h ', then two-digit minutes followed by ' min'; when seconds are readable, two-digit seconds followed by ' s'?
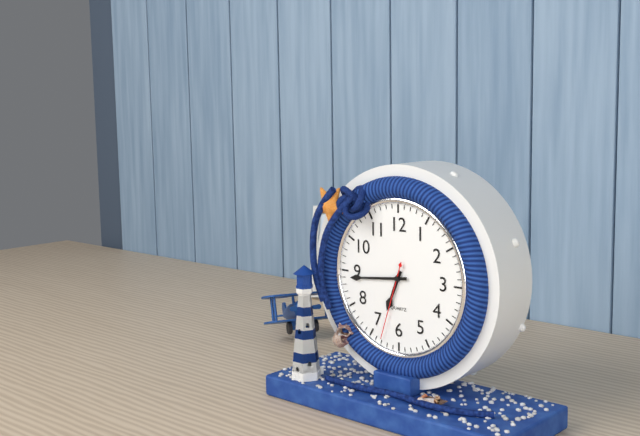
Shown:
6 h 44 min 33 s
